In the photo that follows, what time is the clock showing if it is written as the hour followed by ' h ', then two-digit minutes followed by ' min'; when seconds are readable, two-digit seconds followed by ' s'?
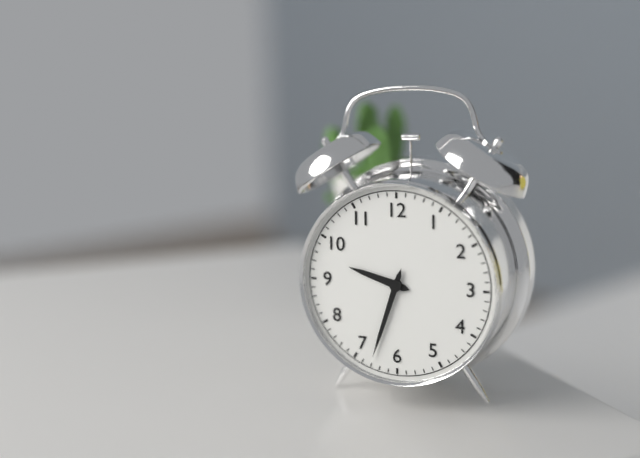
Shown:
9 h 33 min
